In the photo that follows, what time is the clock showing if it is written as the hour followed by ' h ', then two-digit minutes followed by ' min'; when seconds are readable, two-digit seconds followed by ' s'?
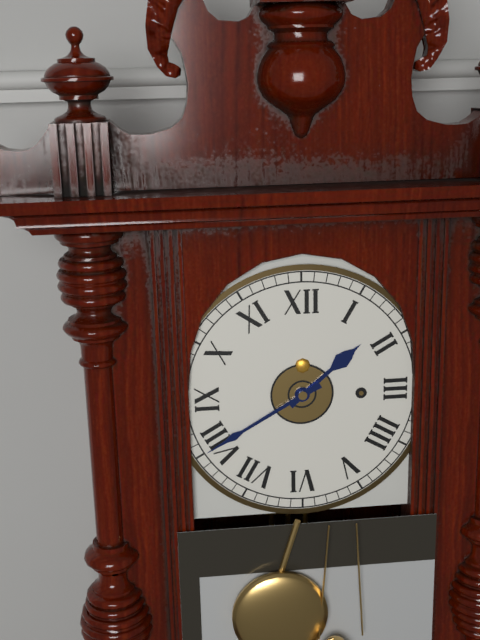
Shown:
1 h 40 min
